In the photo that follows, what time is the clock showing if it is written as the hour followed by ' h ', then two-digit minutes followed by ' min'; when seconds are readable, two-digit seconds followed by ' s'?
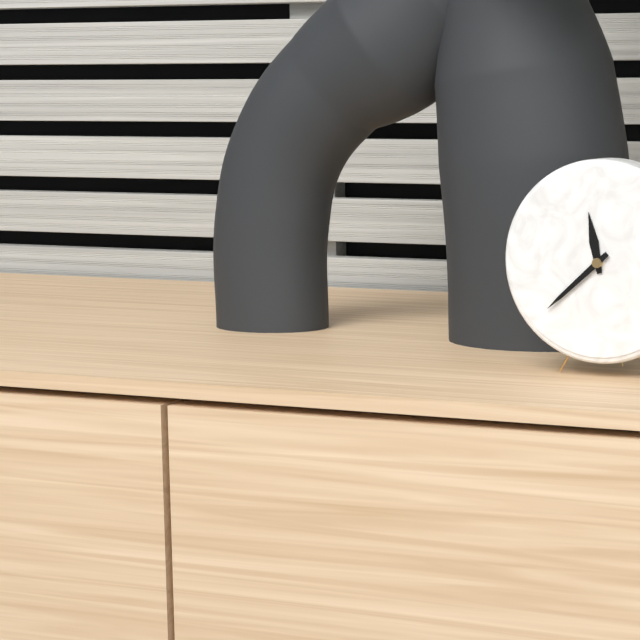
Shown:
11 h 38 min
